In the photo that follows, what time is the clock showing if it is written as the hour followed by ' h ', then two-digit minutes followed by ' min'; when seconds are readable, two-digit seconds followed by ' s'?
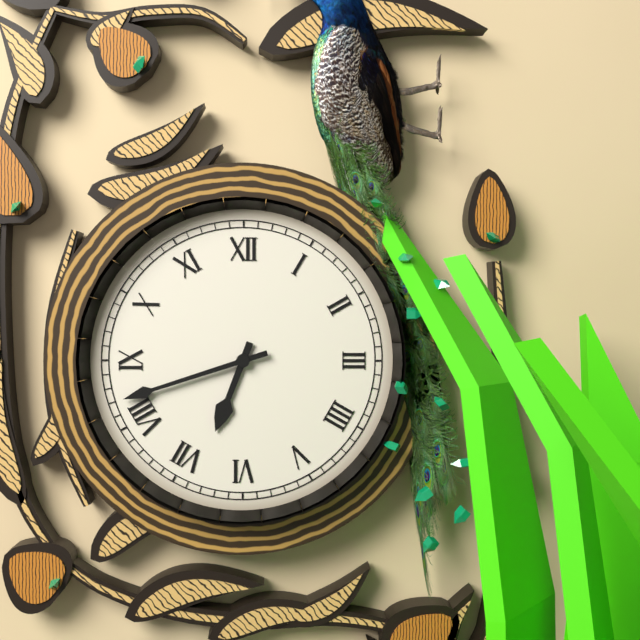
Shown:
6 h 42 min
